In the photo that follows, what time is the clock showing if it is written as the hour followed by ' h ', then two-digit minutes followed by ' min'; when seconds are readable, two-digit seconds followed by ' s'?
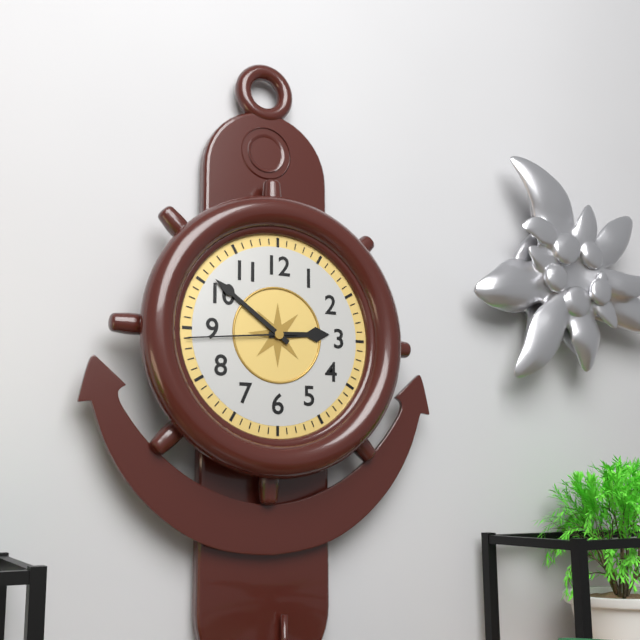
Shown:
2 h 51 min 44 s
